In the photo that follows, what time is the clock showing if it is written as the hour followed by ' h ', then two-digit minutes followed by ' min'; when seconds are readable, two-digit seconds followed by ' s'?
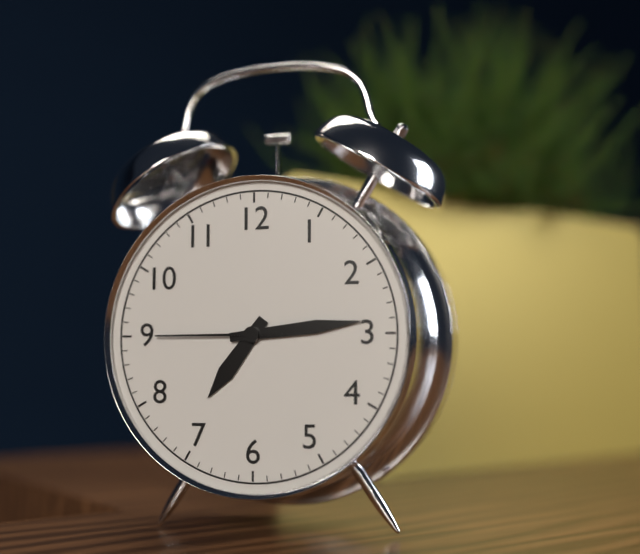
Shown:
7 h 14 min 45 s
